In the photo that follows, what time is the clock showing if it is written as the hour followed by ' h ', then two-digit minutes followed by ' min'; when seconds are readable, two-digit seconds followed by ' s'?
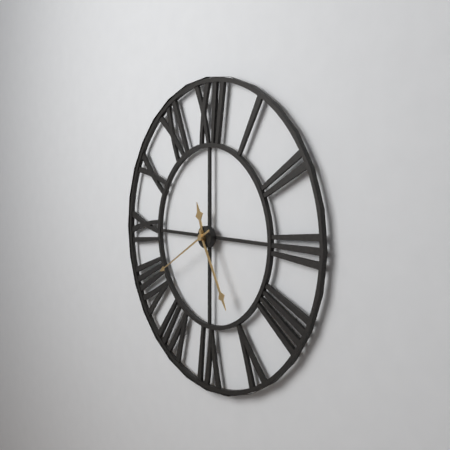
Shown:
11 h 25 min 40 s
